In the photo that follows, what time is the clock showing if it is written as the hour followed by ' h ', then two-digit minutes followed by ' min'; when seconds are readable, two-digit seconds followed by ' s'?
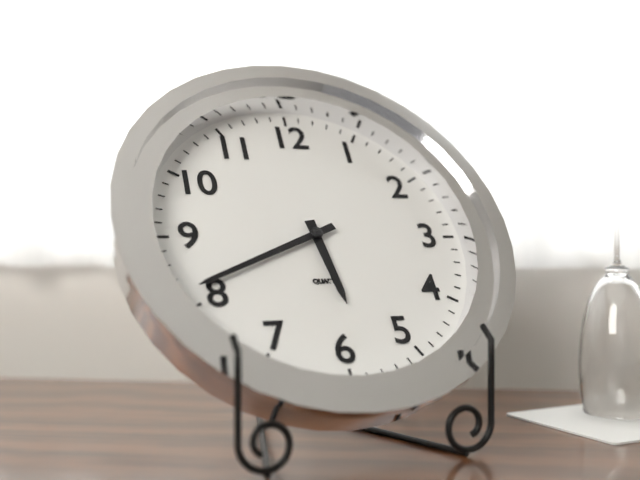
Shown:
5 h 41 min
